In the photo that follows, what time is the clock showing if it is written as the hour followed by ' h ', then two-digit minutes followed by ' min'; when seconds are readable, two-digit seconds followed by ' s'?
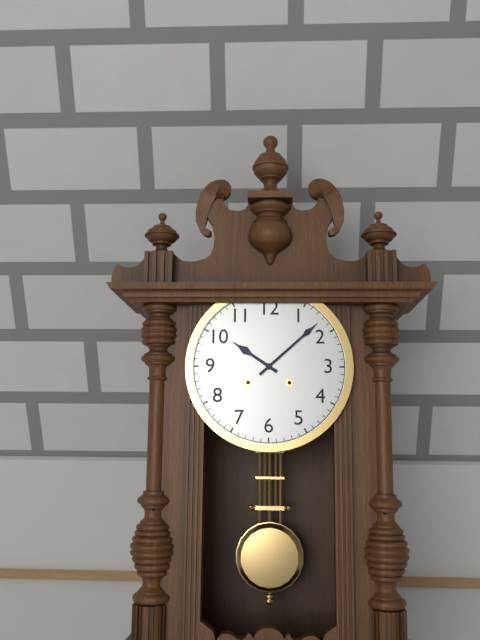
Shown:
10 h 08 min
